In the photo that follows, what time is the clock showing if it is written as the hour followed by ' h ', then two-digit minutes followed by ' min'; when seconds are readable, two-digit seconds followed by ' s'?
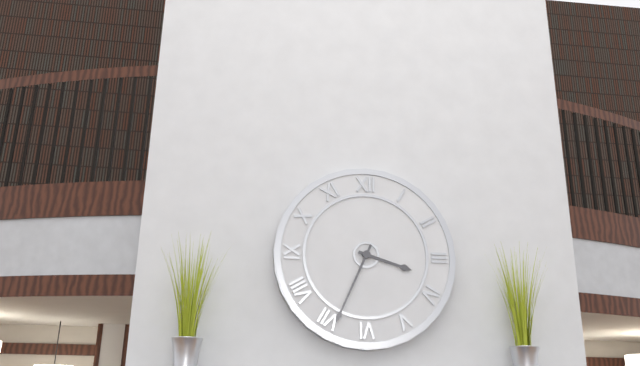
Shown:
3 h 34 min
